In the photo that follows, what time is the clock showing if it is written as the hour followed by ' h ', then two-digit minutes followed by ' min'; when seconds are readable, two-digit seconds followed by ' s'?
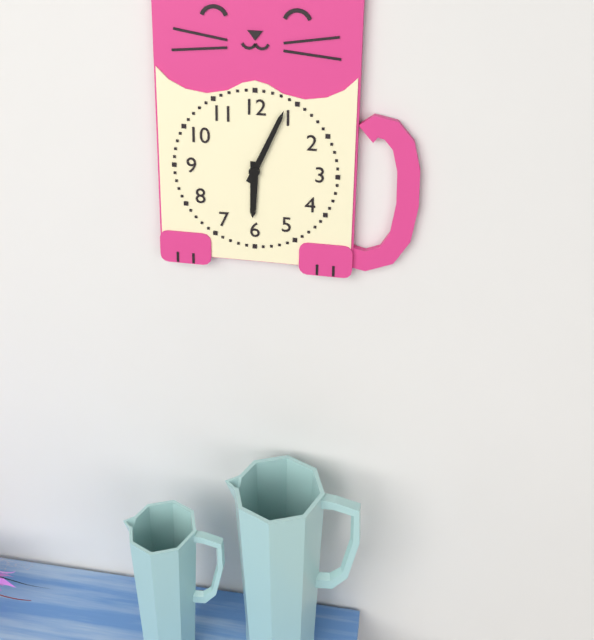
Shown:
6 h 04 min
